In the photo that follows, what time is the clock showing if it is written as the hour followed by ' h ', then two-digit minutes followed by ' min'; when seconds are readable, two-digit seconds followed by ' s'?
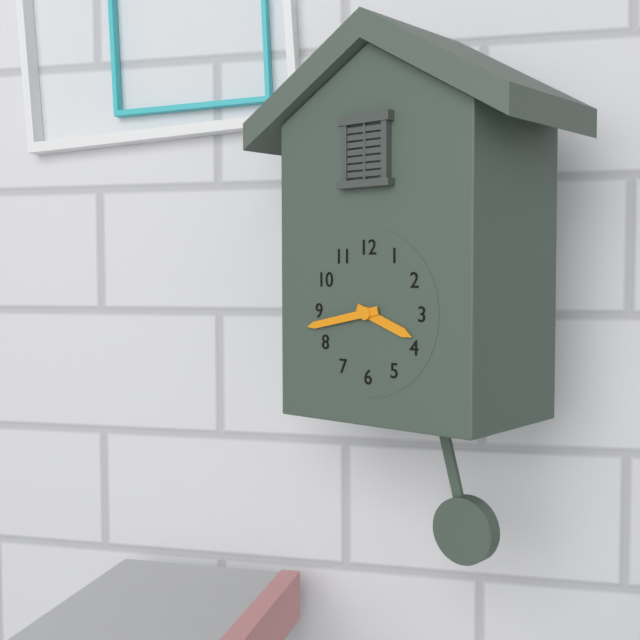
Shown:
3 h 43 min
